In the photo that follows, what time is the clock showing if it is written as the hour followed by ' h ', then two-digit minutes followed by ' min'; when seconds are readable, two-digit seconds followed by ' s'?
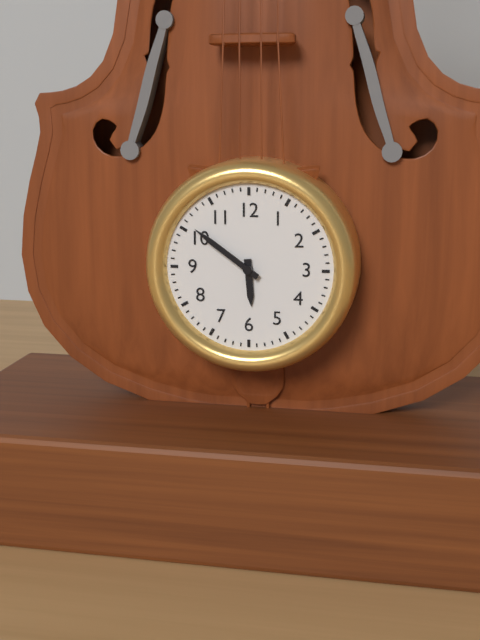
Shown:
5 h 51 min
